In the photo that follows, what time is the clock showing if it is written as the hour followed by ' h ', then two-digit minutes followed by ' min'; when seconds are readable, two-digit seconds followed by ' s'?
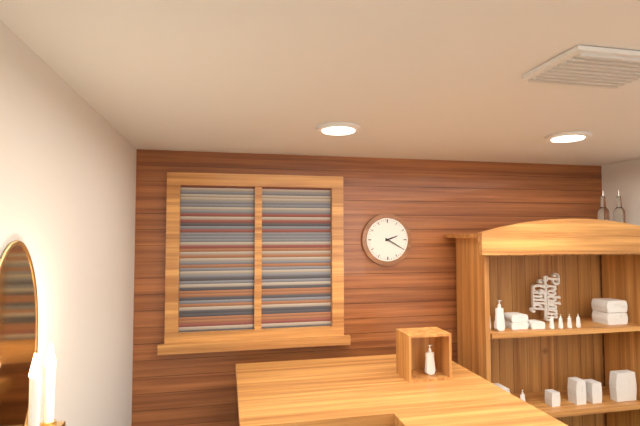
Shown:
2 h 20 min
